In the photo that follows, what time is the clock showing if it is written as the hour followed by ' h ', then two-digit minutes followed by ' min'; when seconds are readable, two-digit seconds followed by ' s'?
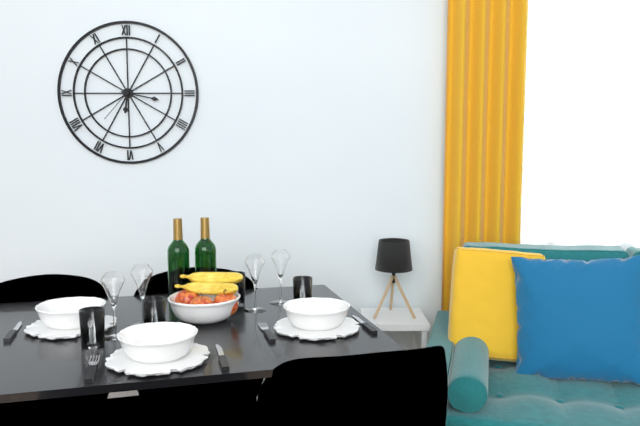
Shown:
6 h 17 min
